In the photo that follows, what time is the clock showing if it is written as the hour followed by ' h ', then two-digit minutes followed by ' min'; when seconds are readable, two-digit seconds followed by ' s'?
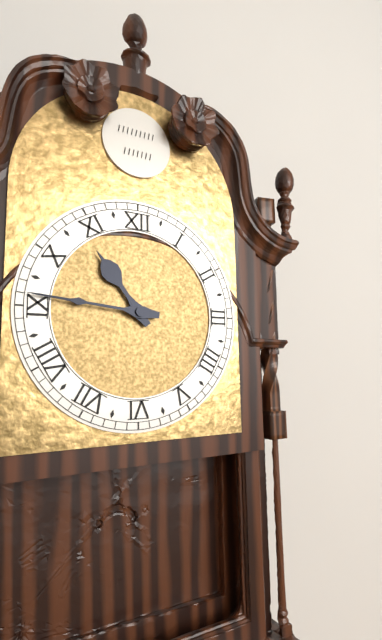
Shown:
10 h 46 min
